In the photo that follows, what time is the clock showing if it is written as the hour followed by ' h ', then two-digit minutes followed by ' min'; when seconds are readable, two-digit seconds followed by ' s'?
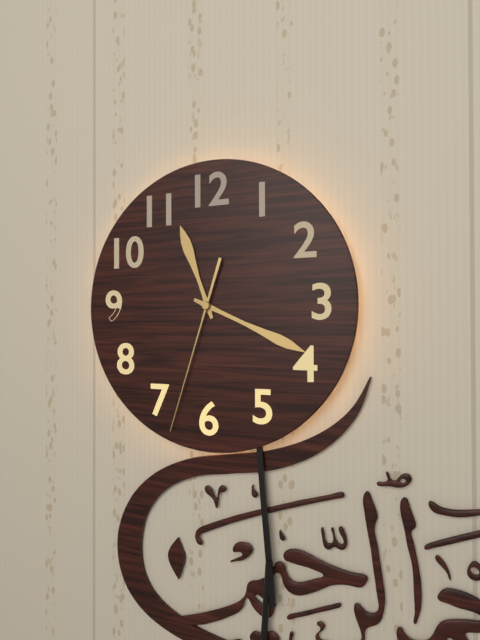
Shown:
11 h 19 min 33 s
